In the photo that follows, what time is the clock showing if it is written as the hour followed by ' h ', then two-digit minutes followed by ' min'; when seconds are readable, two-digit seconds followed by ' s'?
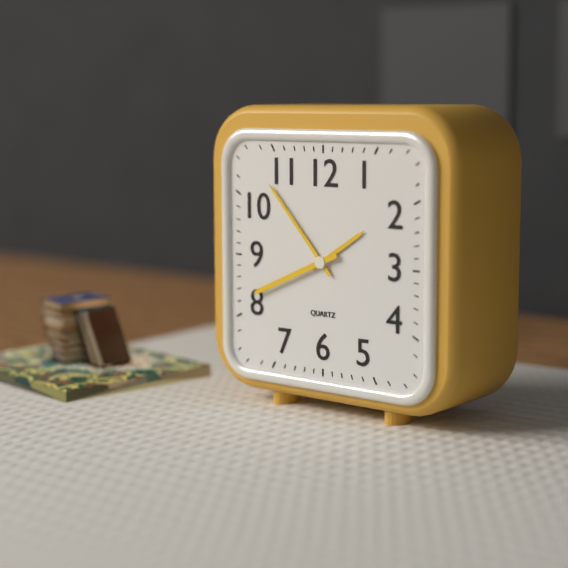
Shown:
1 h 53 min 41 s
